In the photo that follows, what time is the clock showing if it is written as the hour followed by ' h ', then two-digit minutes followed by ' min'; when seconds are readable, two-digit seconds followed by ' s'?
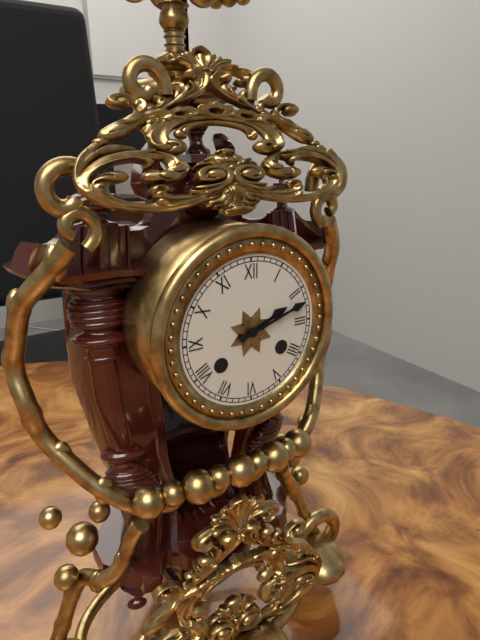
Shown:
2 h 12 min
